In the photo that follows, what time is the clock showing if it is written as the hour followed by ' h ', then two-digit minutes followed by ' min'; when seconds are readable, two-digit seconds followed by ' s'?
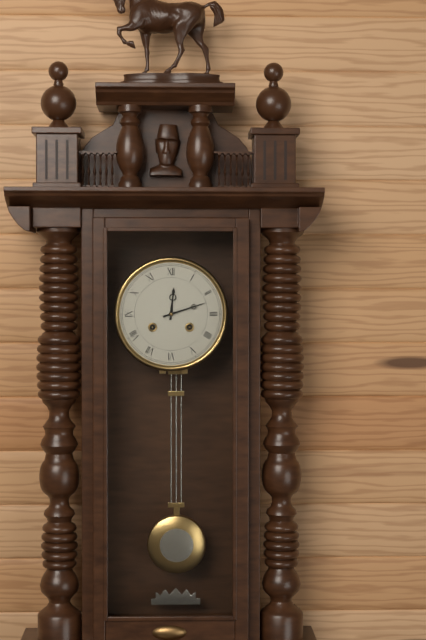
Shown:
12 h 12 min
